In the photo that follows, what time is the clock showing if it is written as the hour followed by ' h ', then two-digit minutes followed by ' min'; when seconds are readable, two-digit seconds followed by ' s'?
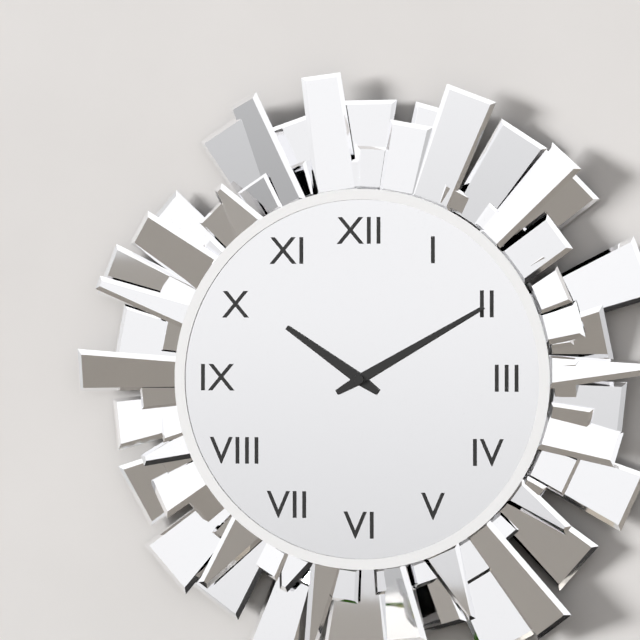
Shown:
10 h 10 min
